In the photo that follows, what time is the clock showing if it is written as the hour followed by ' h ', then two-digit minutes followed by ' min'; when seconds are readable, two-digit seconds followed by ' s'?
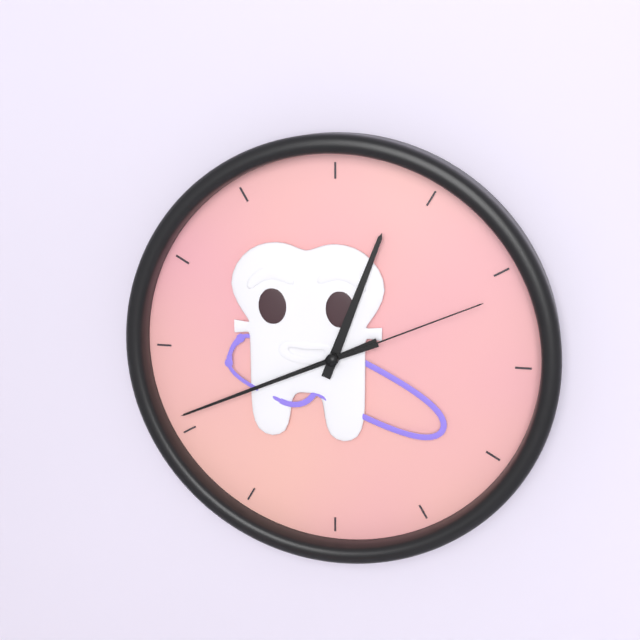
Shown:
12 h 41 min 11 s
